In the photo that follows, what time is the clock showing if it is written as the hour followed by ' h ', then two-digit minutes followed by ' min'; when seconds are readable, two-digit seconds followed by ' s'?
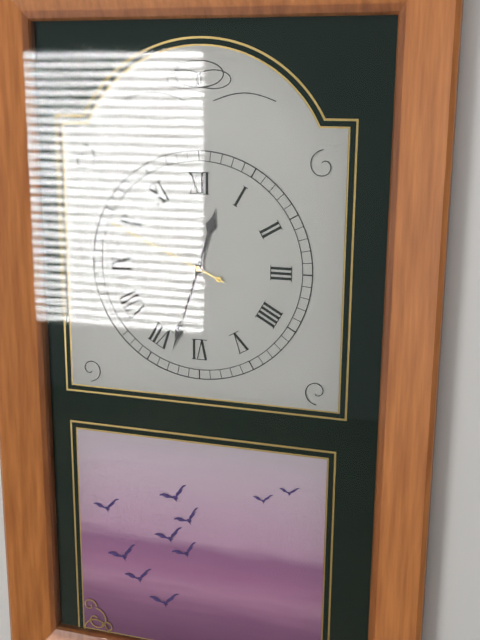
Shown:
12 h 33 min 49 s
